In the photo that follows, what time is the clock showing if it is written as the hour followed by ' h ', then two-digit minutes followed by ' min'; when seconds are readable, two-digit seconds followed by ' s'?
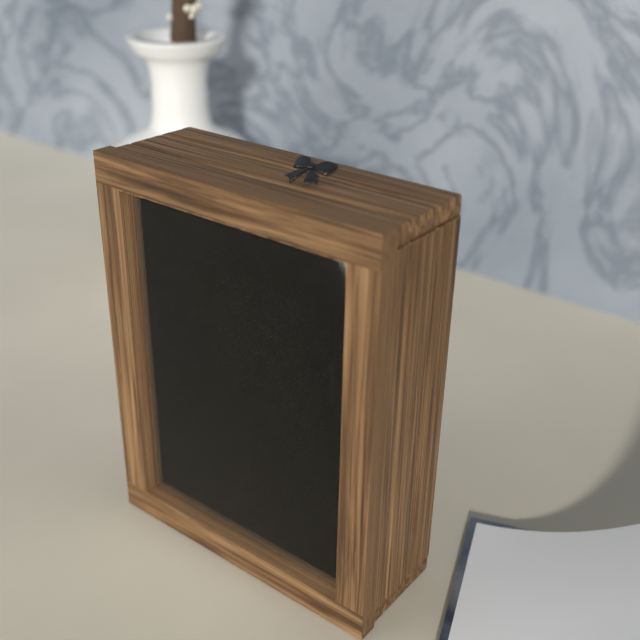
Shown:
5 h 56 min
